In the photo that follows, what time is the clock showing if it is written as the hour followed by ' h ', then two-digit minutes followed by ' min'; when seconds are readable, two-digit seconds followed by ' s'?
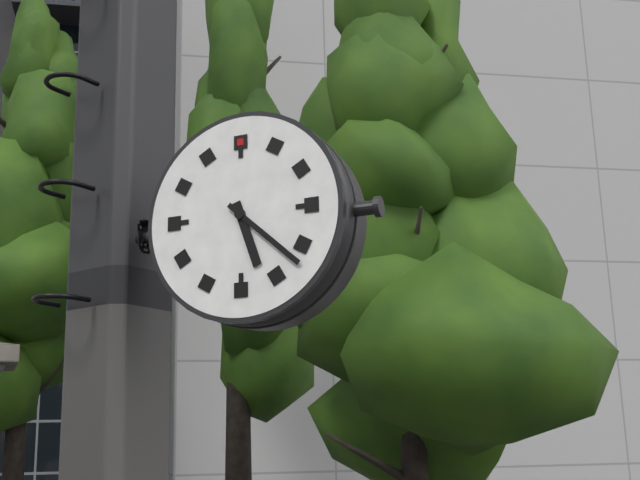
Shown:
5 h 22 min
